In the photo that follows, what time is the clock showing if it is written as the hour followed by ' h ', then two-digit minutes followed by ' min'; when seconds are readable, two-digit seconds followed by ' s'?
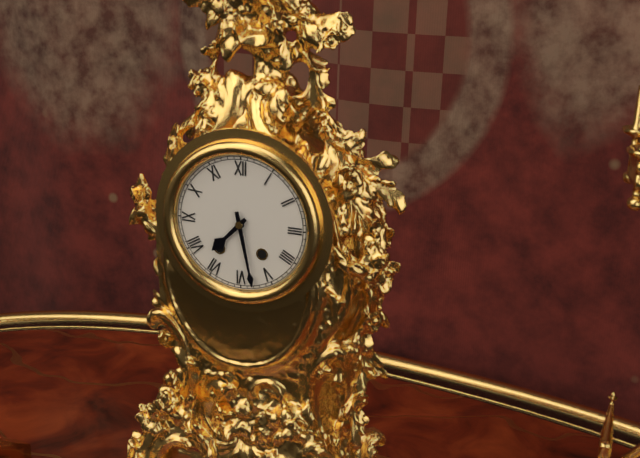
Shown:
7 h 28 min
